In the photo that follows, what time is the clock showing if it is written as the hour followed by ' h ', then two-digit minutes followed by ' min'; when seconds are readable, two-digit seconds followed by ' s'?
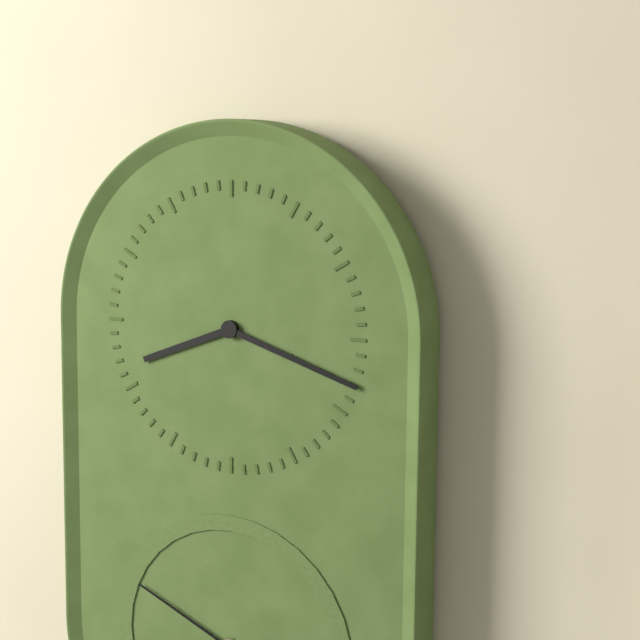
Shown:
8 h 18 min 49 s
